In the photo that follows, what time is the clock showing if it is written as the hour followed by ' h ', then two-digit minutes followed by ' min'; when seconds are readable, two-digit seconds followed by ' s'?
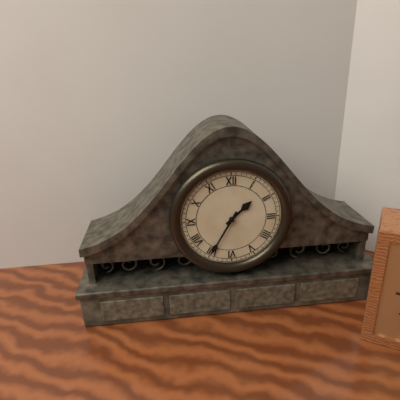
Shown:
1 h 35 min
